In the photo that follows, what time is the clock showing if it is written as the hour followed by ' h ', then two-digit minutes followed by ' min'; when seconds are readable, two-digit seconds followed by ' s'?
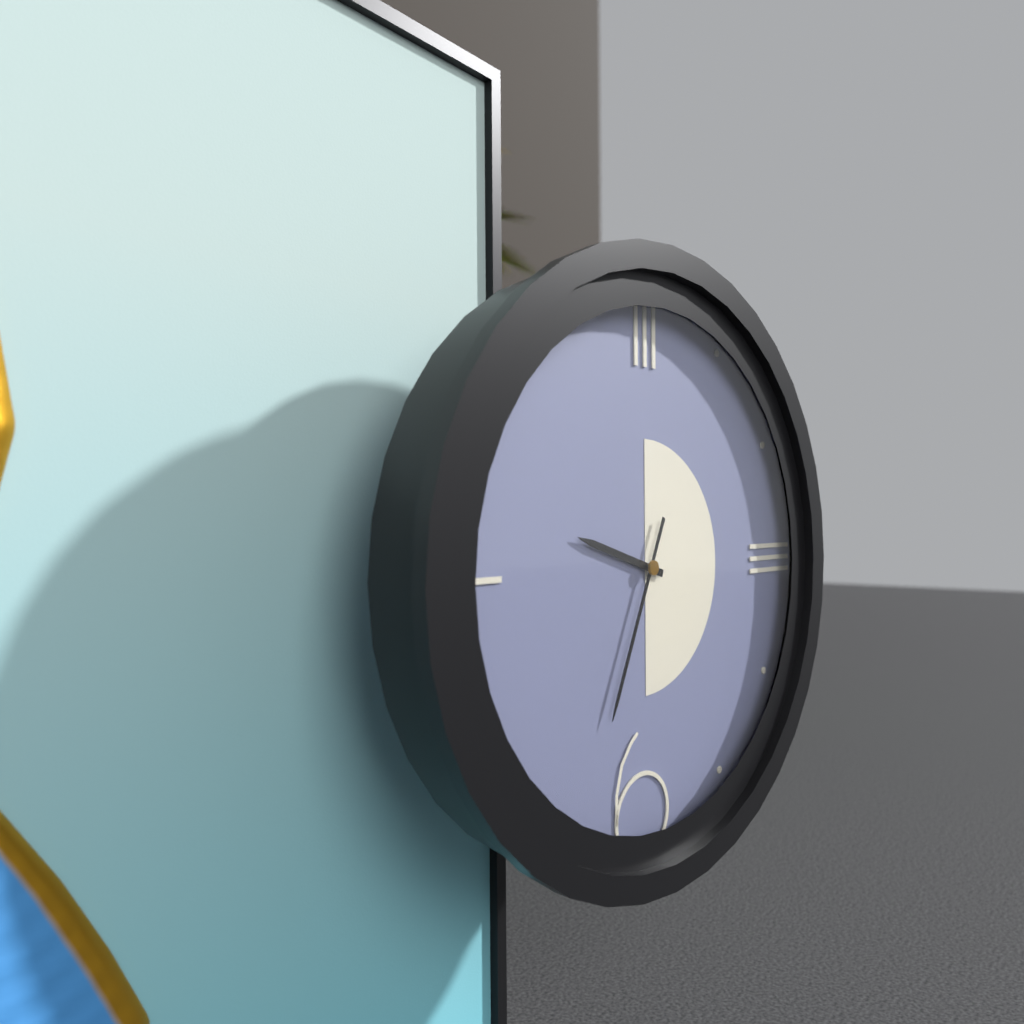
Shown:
9 h 34 min
